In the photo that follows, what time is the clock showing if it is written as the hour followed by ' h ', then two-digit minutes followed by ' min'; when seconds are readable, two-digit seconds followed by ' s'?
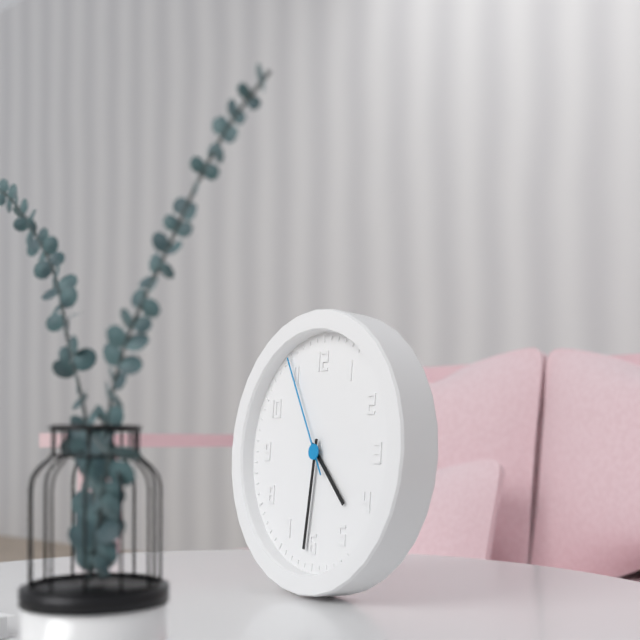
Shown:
4 h 31 min 55 s
